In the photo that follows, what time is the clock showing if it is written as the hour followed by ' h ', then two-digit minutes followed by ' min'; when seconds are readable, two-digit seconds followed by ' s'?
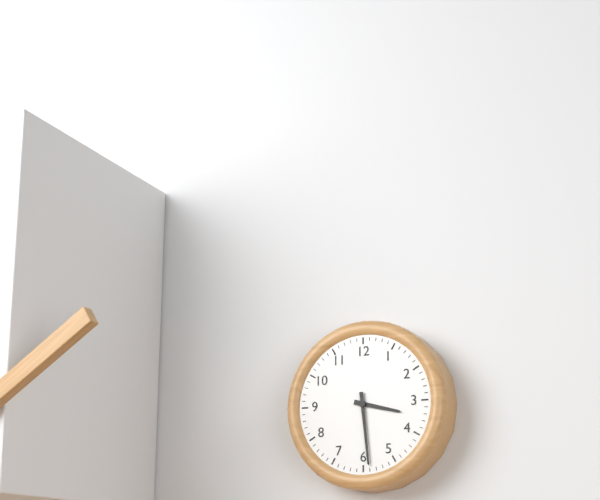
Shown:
3 h 29 min
